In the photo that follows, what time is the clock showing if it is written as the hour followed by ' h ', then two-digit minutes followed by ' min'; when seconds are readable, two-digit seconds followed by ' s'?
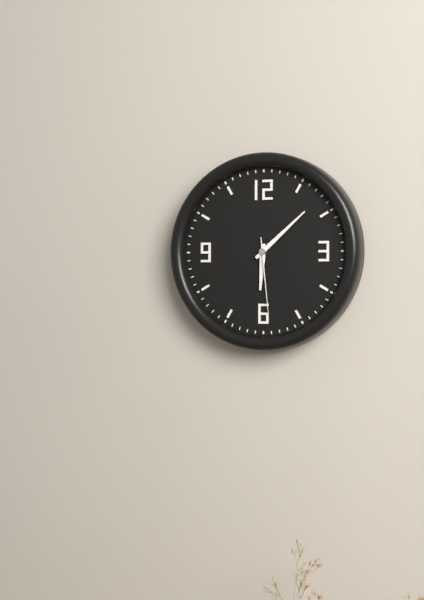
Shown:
6 h 08 min 29 s
